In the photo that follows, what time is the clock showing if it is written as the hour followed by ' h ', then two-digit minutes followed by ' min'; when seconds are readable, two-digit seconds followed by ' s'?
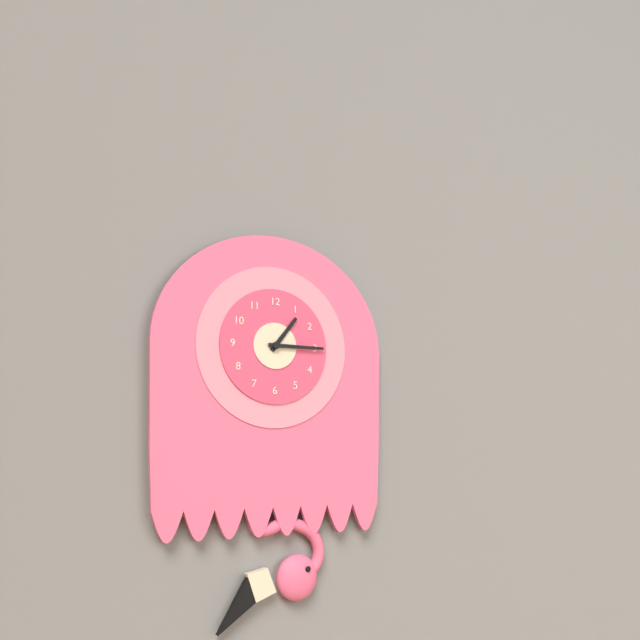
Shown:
1 h 15 min
